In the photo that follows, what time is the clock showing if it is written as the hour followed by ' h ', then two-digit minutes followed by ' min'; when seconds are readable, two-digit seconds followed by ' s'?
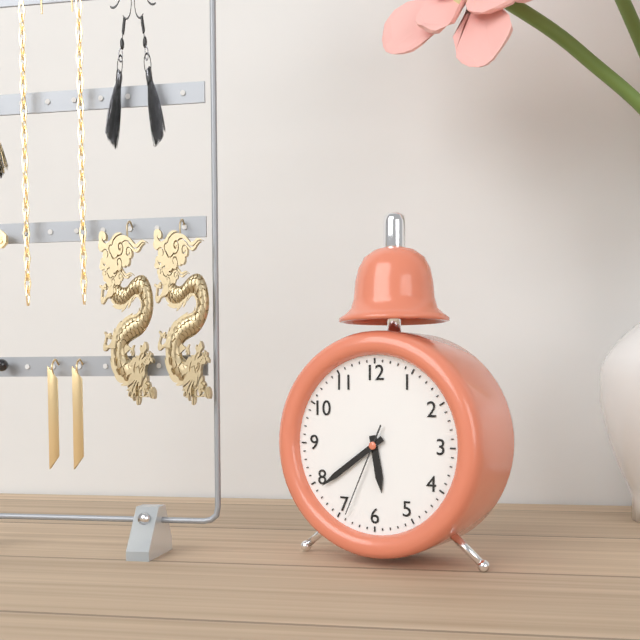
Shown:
5 h 39 min 34 s
